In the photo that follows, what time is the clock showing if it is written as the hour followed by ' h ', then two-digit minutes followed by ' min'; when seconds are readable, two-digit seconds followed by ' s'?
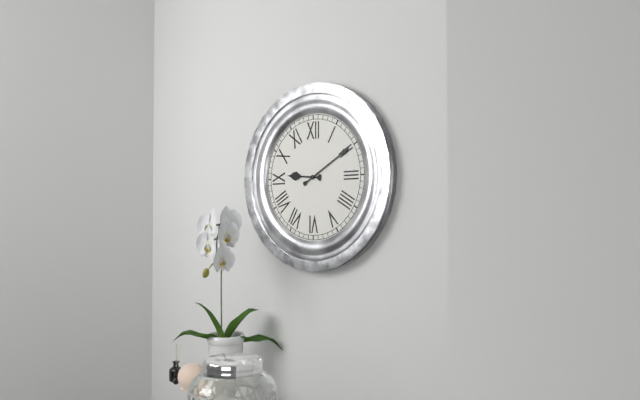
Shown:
9 h 10 min
